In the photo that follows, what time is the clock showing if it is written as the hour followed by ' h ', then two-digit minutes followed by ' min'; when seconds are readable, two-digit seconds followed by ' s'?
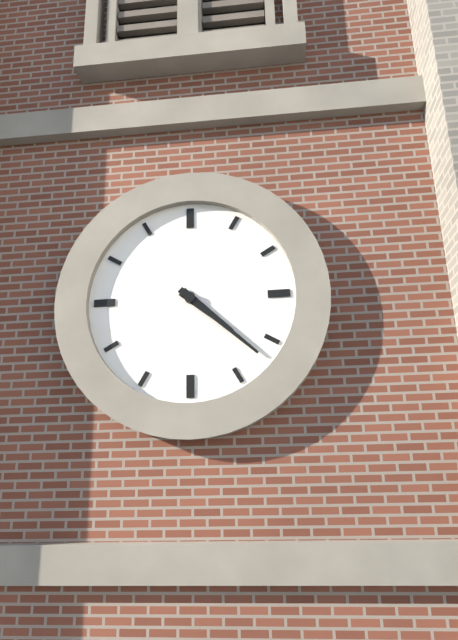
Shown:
4 h 22 min
